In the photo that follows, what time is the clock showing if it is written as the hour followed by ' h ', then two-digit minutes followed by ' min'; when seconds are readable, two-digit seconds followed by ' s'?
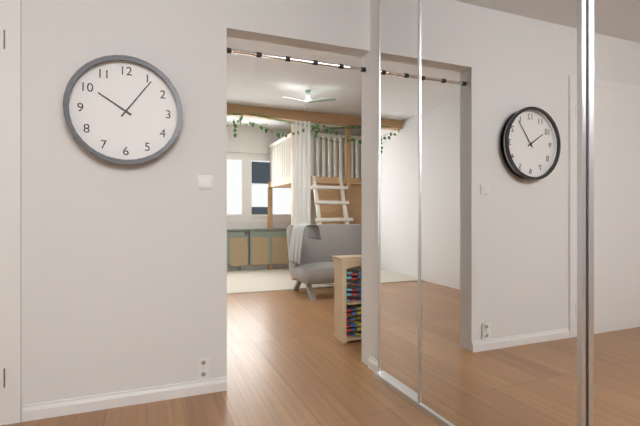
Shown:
10 h 06 min
